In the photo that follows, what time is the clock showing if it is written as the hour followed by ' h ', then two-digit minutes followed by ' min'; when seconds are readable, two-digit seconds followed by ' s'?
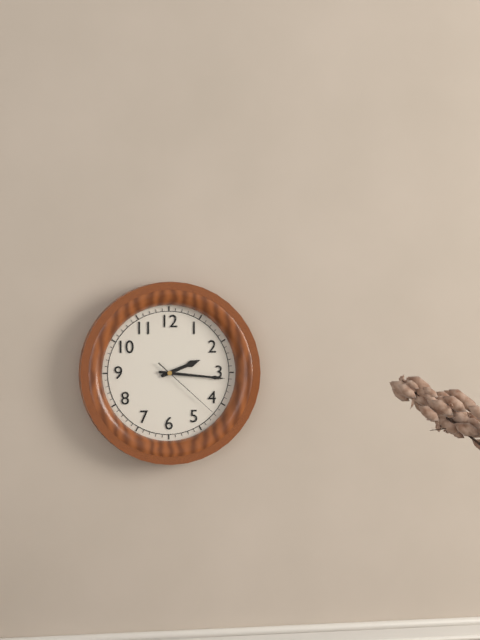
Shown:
2 h 16 min 22 s
